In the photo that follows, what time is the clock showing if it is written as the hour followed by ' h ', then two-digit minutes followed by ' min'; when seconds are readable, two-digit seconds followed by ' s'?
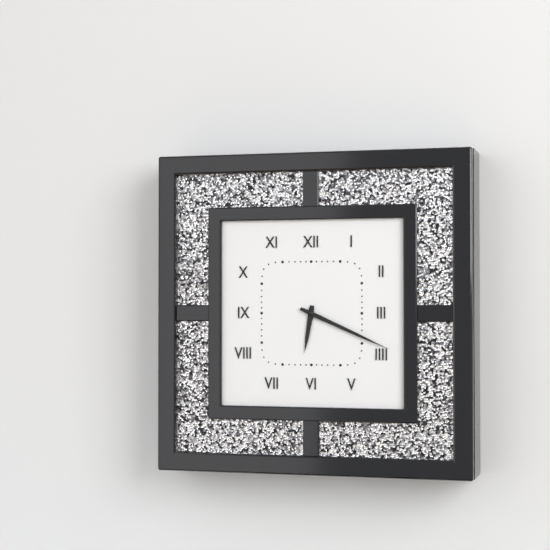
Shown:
6 h 19 min
